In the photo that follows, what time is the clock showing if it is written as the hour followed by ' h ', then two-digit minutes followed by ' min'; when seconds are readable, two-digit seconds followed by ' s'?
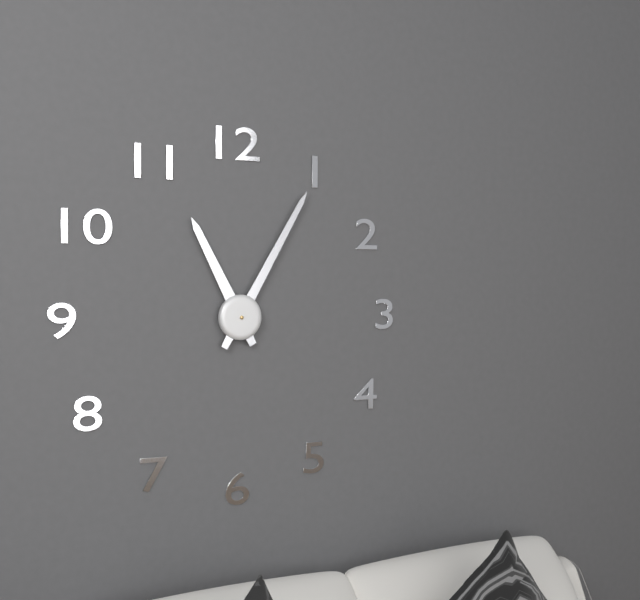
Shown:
11 h 05 min
